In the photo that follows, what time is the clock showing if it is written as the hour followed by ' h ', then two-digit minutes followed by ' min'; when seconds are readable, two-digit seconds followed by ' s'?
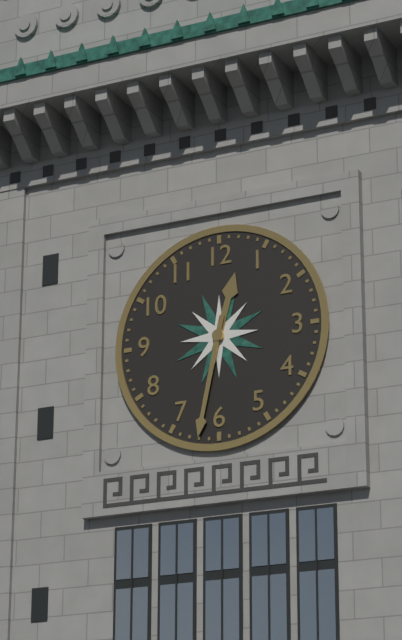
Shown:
12 h 32 min
